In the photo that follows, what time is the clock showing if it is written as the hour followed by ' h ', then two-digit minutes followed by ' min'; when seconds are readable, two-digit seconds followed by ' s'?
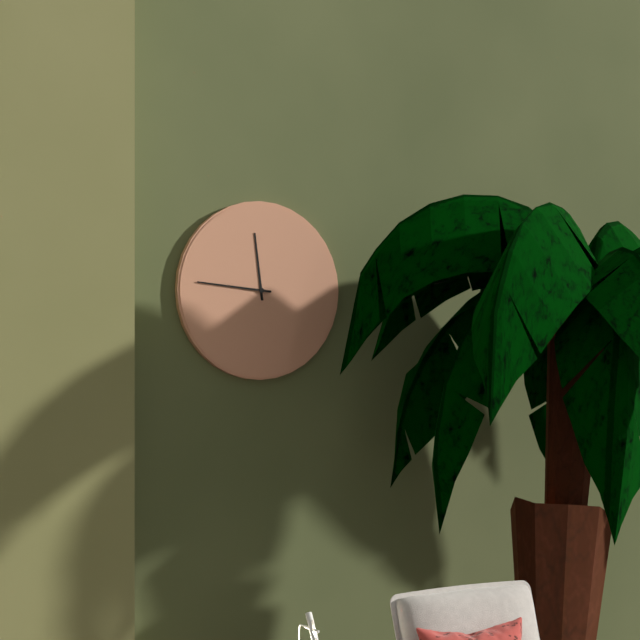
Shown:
11 h 46 min
